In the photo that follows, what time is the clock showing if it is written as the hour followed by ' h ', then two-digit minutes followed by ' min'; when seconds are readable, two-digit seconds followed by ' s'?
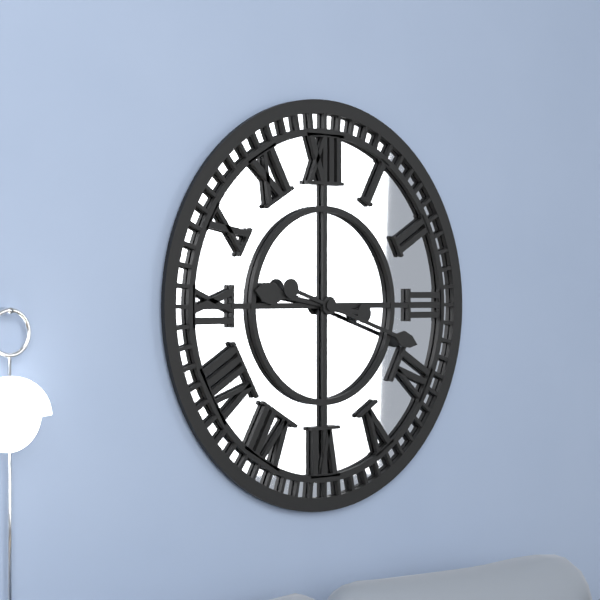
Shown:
9 h 18 min
